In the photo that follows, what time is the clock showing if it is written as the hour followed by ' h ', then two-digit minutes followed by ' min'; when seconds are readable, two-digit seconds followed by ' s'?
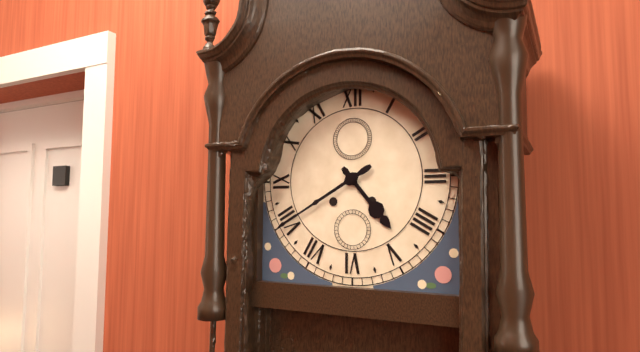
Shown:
4 h 40 min
